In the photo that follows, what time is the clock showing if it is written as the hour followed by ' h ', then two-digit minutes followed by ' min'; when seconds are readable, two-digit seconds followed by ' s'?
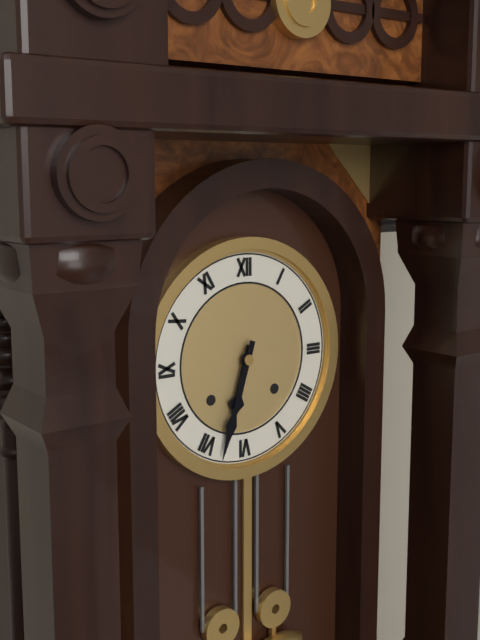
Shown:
6 h 33 min
